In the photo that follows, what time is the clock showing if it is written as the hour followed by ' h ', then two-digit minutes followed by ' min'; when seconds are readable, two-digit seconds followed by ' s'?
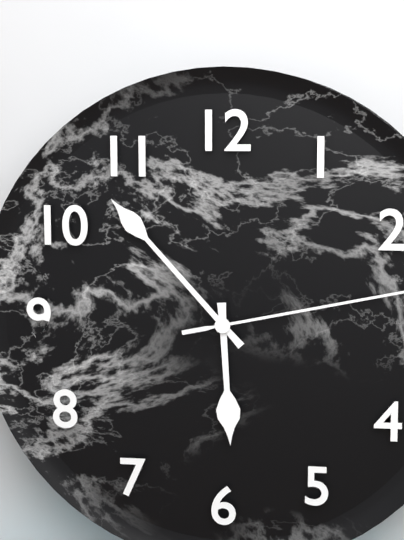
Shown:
5 h 53 min
